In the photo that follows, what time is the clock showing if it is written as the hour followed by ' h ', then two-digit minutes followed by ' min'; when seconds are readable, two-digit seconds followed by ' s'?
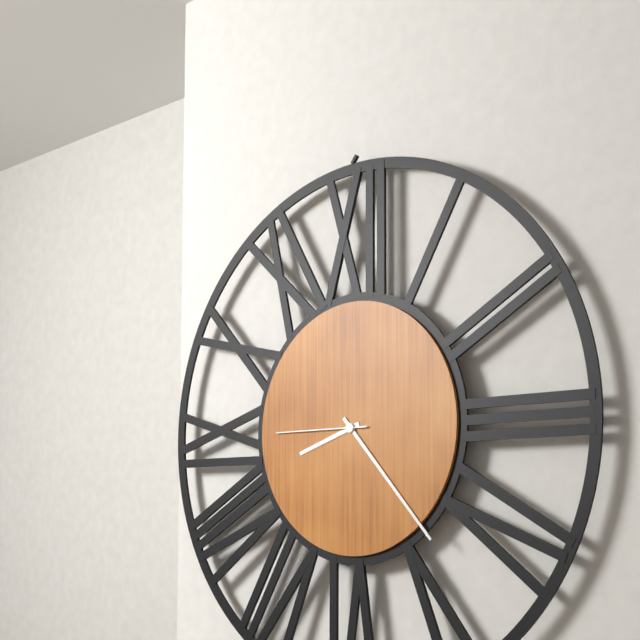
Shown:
8 h 23 min 45 s
